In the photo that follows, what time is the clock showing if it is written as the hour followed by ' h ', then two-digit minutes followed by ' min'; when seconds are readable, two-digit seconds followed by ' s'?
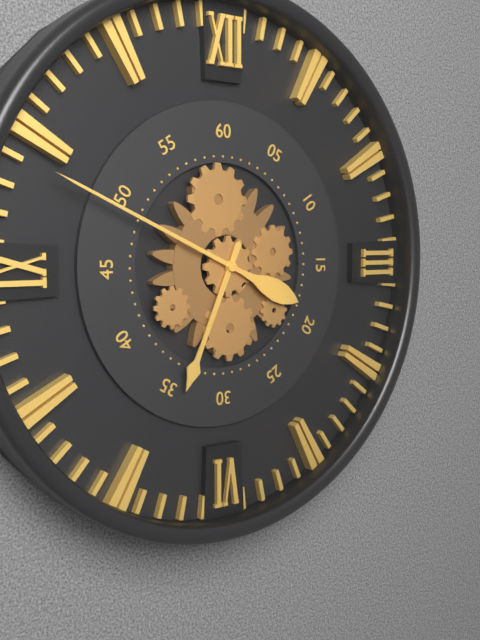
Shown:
6 h 49 min
